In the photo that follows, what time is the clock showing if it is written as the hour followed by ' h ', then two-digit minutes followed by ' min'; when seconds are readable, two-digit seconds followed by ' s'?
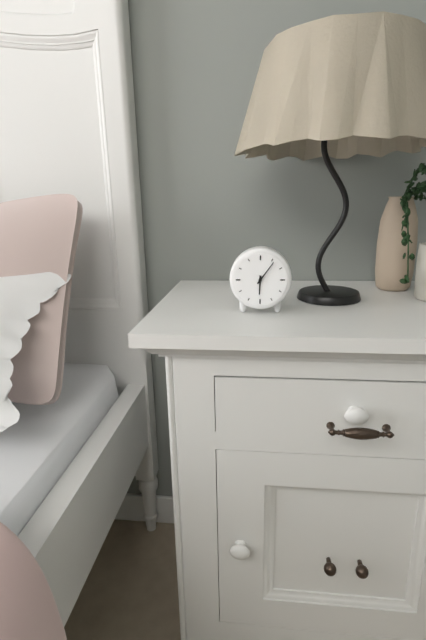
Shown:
6 h 06 min
